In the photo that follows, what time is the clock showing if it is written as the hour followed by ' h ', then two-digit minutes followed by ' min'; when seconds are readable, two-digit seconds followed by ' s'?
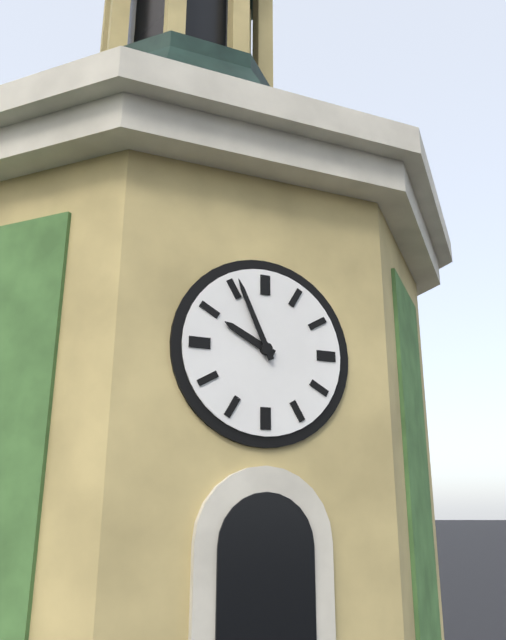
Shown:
9 h 56 min
